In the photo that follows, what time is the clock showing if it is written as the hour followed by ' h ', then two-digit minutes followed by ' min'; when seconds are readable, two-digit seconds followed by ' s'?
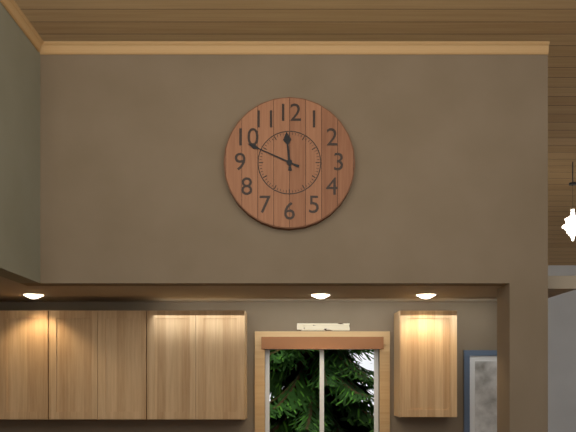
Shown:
11 h 49 min
